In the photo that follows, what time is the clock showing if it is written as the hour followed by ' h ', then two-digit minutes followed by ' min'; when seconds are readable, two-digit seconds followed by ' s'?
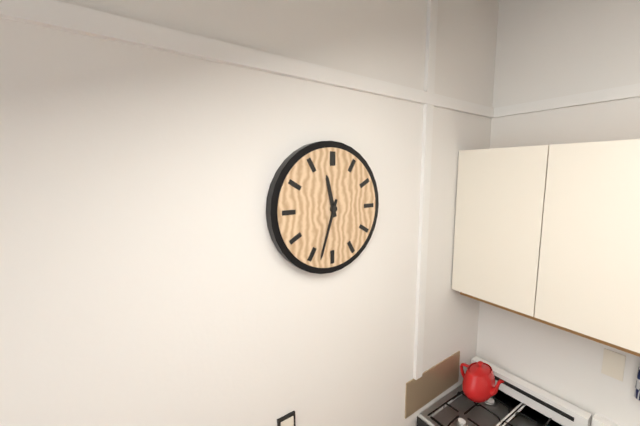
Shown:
11 h 33 min
